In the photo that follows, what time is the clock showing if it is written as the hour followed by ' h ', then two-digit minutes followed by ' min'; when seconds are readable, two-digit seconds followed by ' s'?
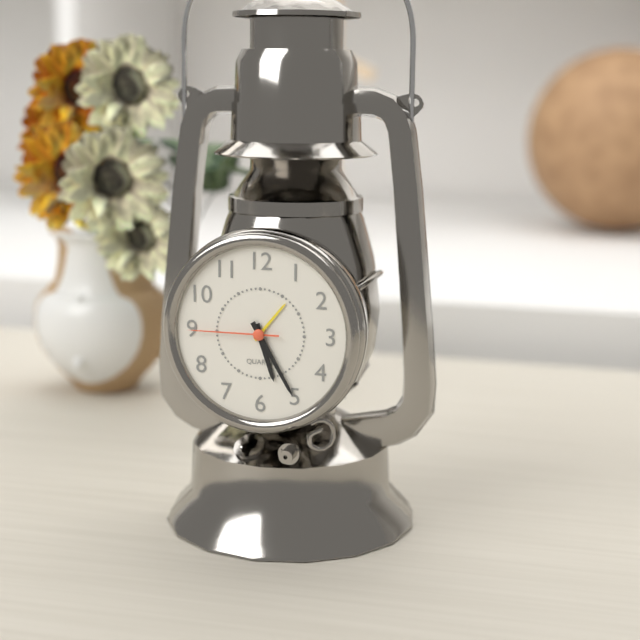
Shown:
5 h 25 min 45 s
